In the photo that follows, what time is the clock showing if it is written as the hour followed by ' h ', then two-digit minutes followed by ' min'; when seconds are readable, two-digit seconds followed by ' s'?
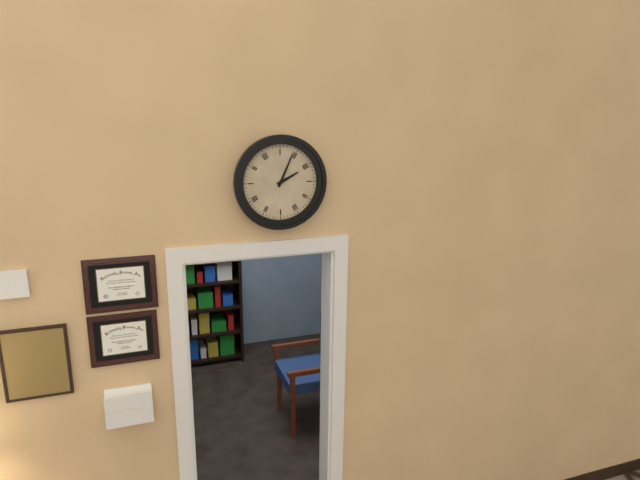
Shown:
2 h 04 min
